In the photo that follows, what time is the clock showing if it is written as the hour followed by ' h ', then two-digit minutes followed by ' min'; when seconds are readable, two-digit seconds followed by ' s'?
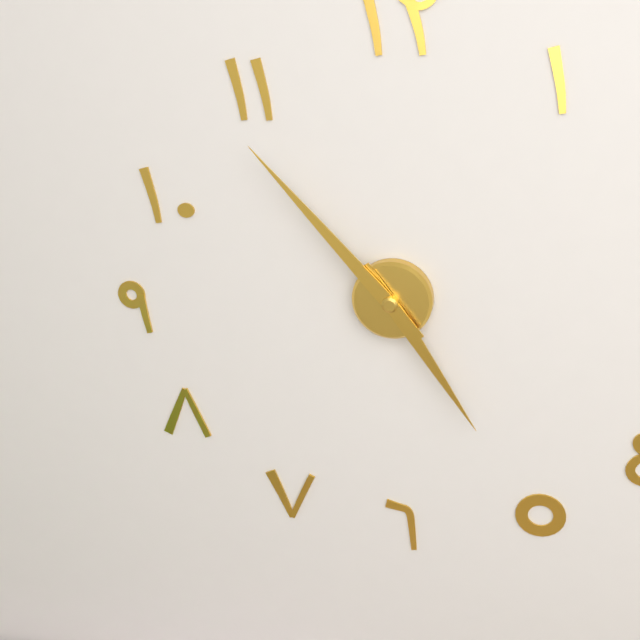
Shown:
4 h 53 min
